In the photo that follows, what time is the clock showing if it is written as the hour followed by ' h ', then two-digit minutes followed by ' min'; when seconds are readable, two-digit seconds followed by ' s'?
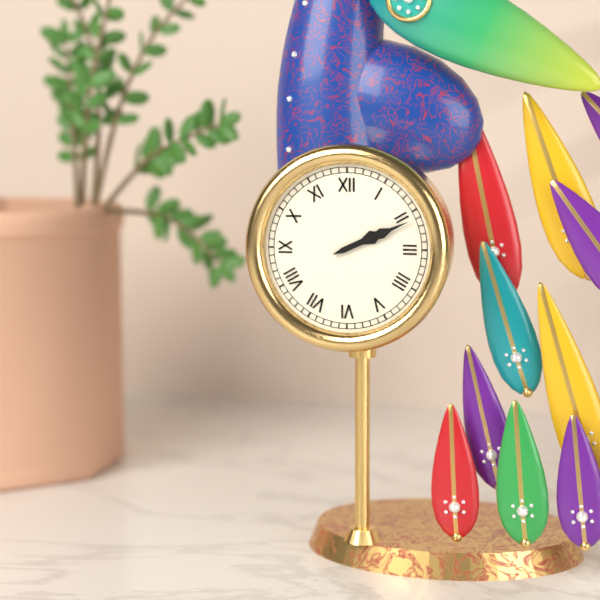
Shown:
2 h 11 min
